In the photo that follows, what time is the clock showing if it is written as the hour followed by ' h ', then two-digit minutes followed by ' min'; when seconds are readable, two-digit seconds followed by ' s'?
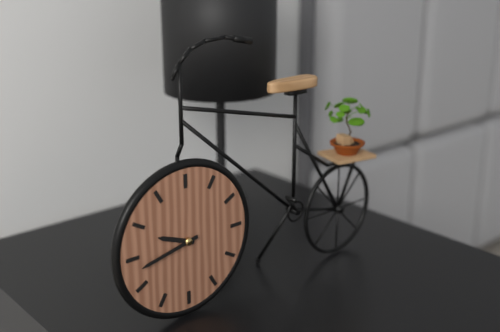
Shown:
9 h 43 min
